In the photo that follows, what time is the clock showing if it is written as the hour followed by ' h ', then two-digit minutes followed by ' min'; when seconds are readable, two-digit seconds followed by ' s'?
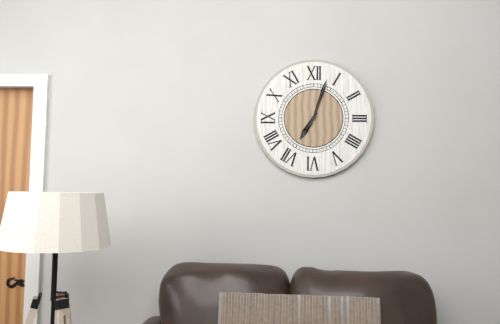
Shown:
7 h 03 min
